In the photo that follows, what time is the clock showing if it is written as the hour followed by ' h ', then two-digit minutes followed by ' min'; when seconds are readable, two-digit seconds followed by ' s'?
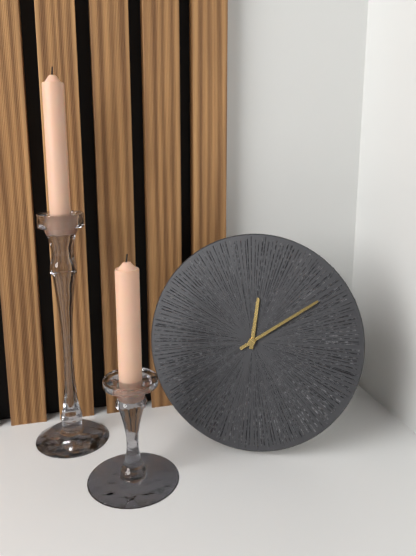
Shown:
12 h 09 min
